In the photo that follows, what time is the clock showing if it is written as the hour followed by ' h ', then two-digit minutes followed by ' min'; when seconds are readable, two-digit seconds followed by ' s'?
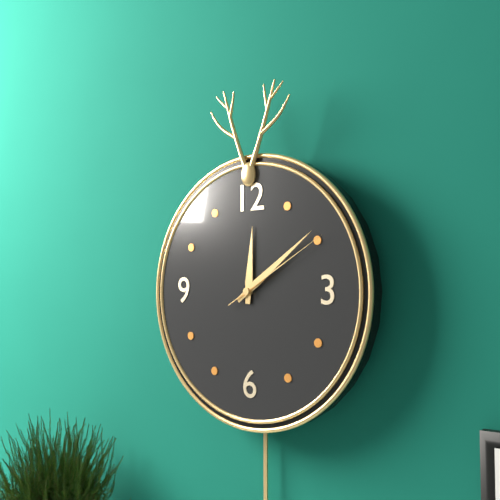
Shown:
12 h 09 min 10 s
